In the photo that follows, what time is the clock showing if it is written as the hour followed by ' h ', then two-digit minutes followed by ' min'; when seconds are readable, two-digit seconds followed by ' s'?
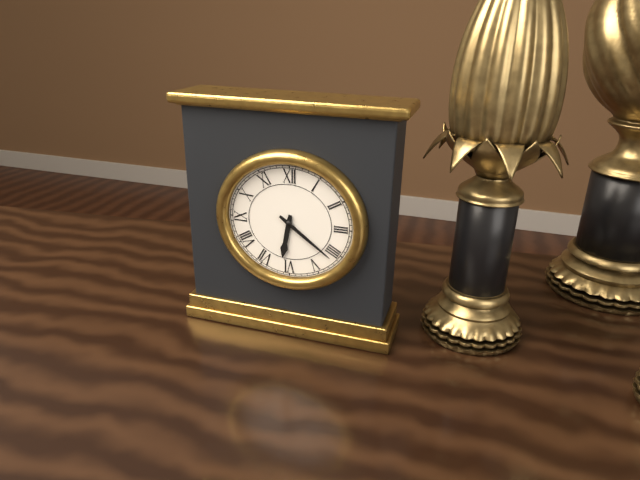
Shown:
6 h 21 min
